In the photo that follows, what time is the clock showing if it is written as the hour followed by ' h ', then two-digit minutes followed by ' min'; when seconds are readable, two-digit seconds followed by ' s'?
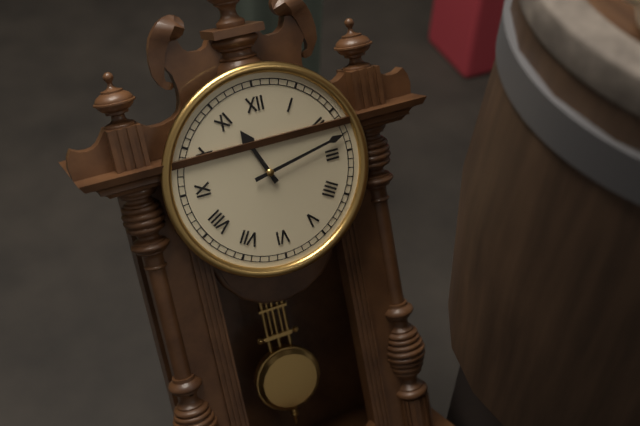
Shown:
11 h 13 min
